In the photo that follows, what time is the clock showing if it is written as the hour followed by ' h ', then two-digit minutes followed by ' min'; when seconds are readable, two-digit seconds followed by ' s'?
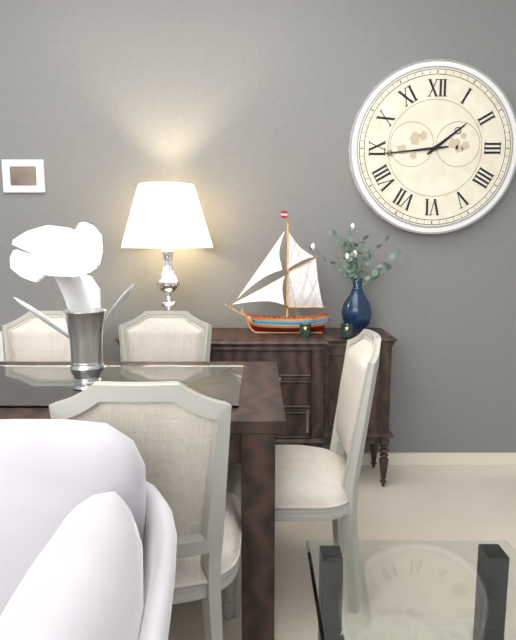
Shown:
1 h 44 min
